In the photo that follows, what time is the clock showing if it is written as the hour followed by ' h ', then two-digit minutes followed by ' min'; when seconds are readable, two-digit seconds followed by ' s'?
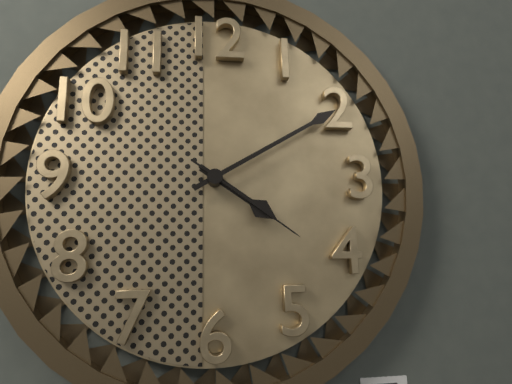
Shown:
4 h 10 min 21 s
